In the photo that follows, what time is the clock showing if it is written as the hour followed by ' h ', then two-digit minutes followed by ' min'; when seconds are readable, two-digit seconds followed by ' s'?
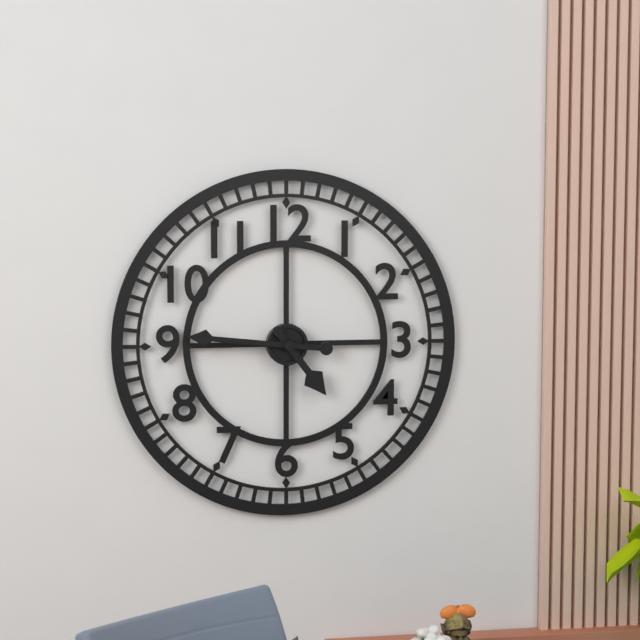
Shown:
4 h 46 min
